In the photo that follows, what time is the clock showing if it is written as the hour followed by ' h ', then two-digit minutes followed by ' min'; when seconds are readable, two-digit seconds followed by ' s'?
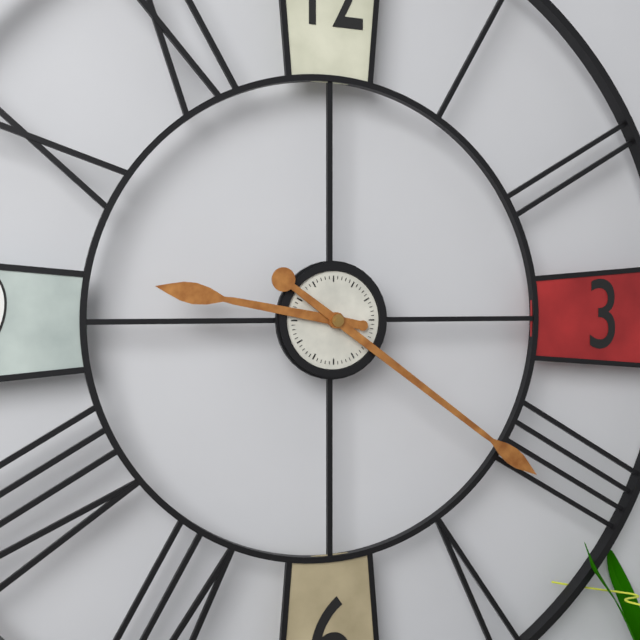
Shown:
9 h 21 min
